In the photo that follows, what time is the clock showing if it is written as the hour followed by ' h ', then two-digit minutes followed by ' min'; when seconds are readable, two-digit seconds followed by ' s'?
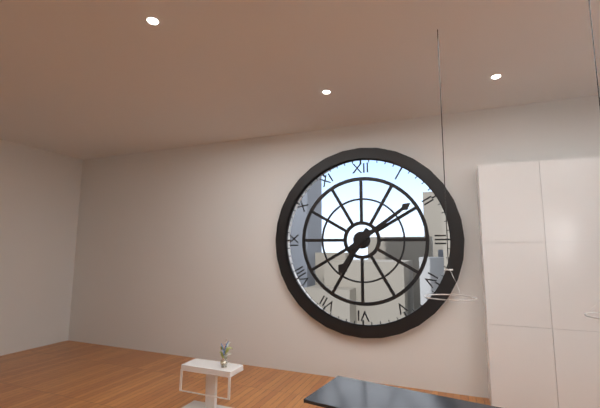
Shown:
7 h 09 min
